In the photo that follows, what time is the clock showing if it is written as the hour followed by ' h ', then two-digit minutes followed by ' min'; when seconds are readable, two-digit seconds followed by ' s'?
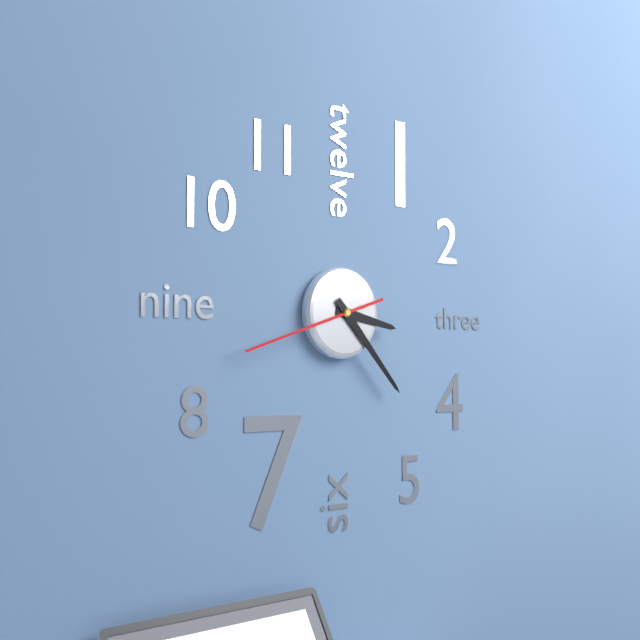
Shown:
3 h 23 min 42 s
